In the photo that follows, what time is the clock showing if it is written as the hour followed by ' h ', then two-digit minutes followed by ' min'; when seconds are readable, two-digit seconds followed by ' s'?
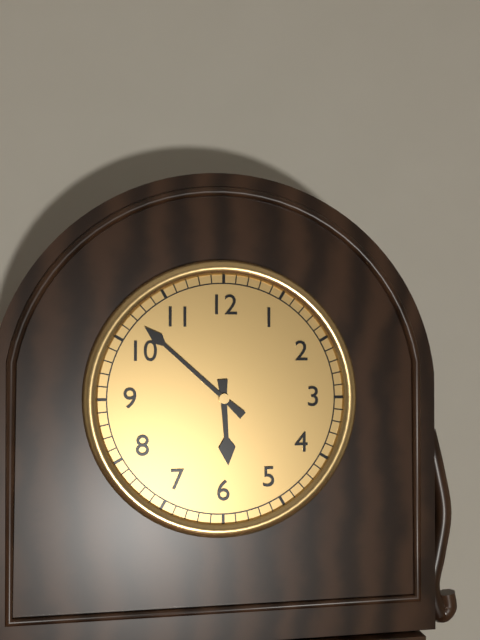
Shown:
5 h 52 min
